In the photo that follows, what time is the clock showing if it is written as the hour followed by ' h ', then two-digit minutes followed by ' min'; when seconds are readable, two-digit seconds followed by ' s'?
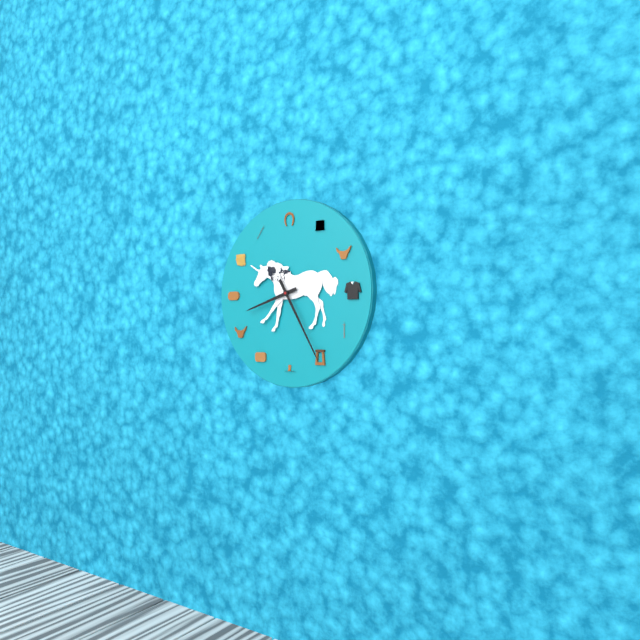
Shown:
8 h 25 min
